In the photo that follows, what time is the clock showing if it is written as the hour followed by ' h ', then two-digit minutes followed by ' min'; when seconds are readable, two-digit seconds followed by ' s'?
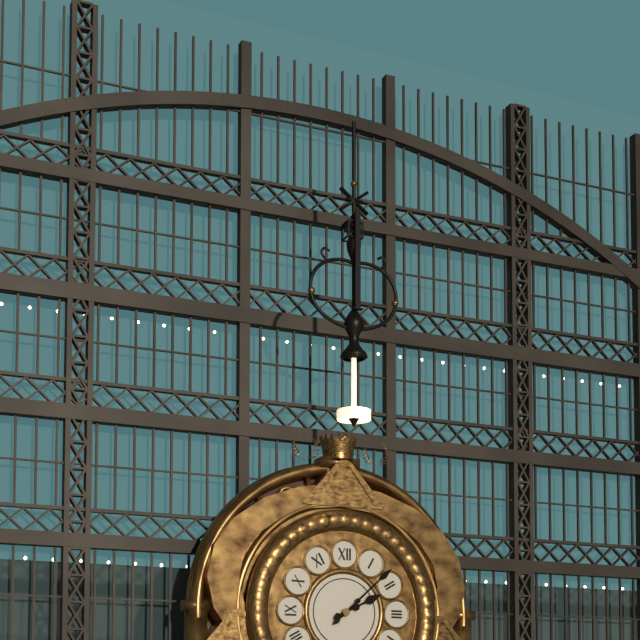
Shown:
2 h 08 min
